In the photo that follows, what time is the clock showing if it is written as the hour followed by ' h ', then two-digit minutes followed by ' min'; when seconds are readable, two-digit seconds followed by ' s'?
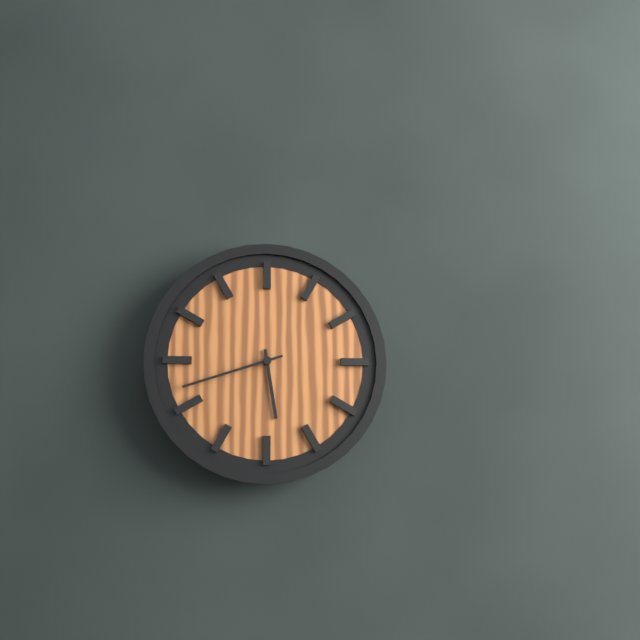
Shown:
5 h 42 min
